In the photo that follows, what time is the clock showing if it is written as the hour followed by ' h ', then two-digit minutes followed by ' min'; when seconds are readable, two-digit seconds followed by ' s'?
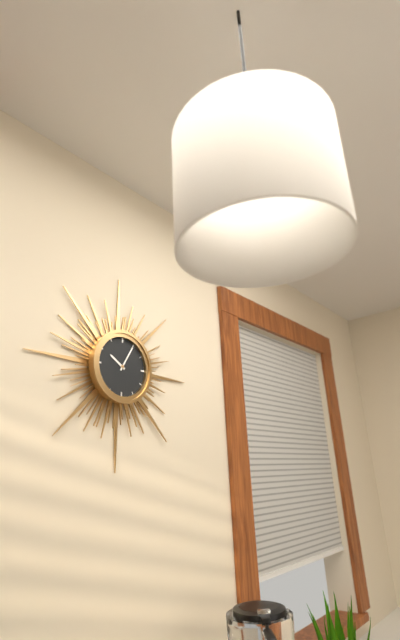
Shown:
10 h 05 min
